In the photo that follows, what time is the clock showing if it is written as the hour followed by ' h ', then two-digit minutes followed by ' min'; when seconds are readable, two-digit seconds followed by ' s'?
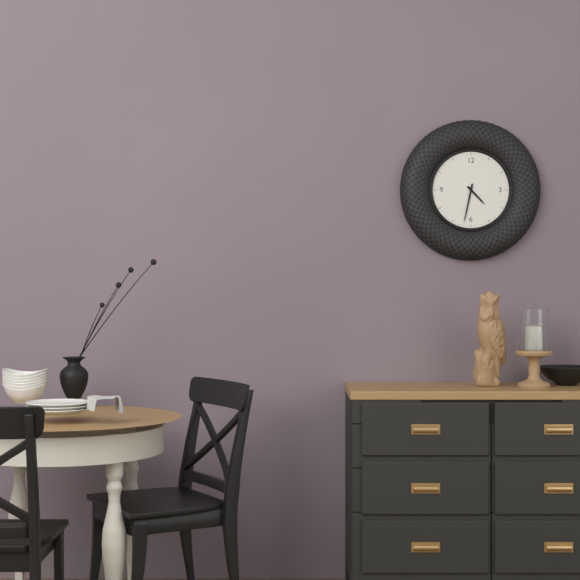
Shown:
4 h 32 min
